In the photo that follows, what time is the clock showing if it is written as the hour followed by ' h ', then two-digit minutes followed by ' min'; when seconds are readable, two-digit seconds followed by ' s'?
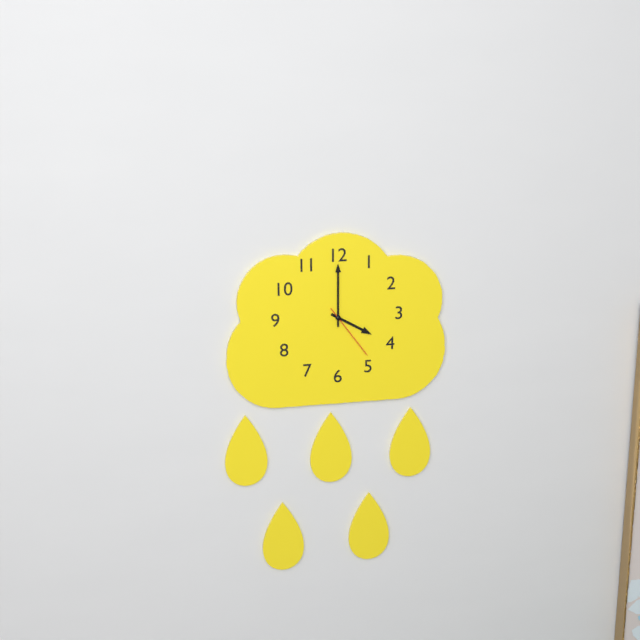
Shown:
4 h 00 min 24 s
